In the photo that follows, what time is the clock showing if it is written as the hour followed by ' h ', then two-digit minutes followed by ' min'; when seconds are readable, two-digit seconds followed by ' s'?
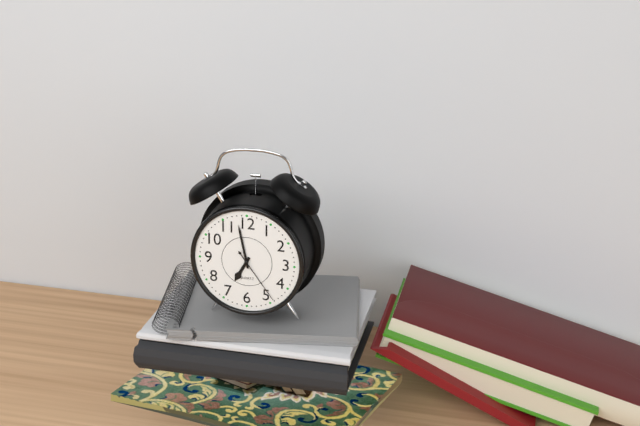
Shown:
6 h 58 min 24 s
